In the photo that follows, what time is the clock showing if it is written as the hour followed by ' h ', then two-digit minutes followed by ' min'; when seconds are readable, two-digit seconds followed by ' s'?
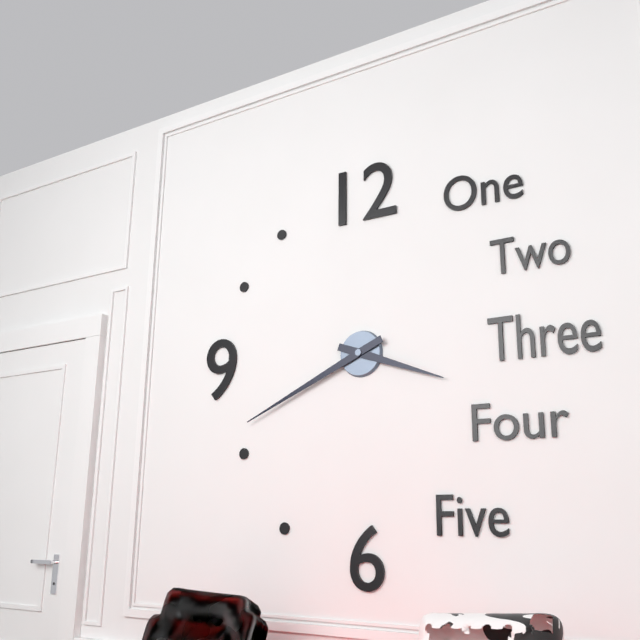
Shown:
3 h 41 min
